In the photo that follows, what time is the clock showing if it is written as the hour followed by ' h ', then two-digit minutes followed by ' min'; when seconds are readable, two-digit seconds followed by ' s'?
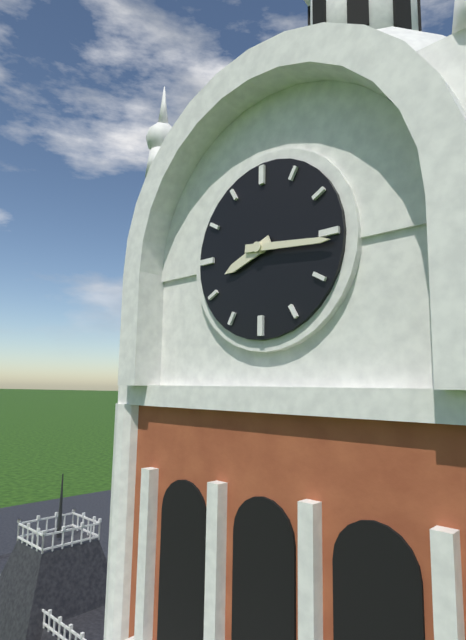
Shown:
8 h 16 min
